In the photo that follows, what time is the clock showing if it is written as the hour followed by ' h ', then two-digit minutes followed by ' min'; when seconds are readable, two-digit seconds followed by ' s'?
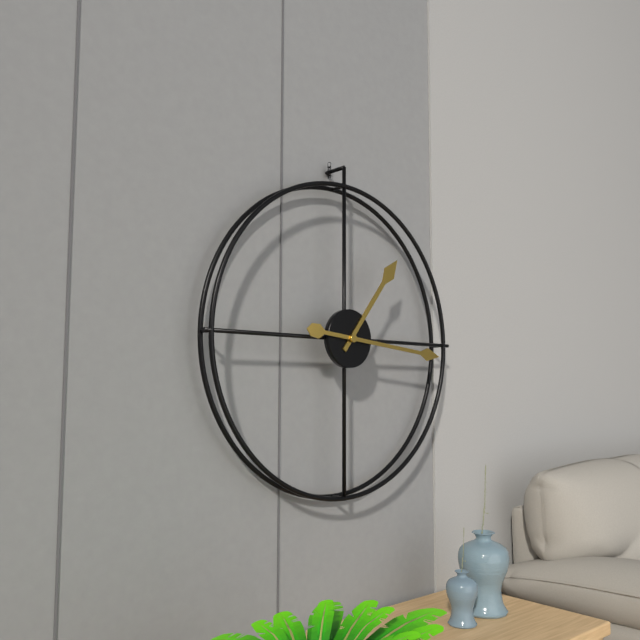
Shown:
1 h 16 min
